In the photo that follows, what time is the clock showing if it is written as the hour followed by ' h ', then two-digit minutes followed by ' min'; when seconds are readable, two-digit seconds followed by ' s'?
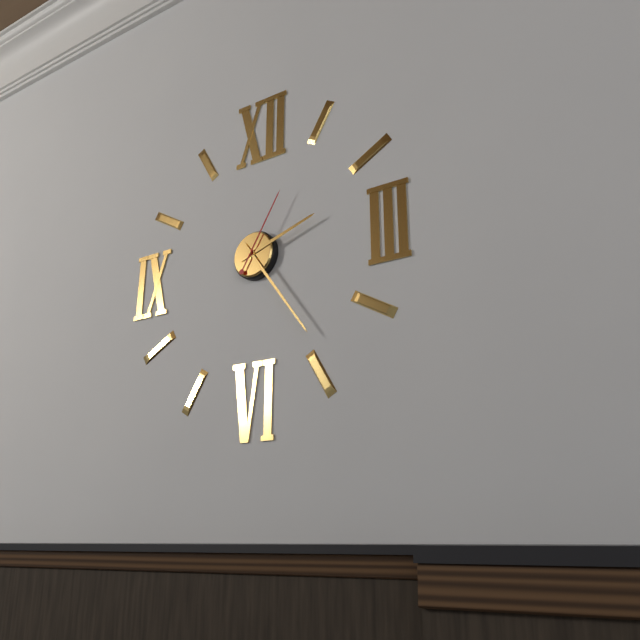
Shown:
2 h 24 min 05 s
